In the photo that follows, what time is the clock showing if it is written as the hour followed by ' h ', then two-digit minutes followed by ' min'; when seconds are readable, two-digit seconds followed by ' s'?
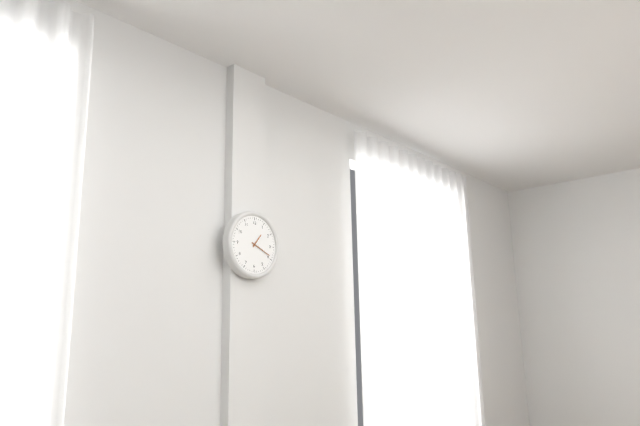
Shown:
1 h 19 min
